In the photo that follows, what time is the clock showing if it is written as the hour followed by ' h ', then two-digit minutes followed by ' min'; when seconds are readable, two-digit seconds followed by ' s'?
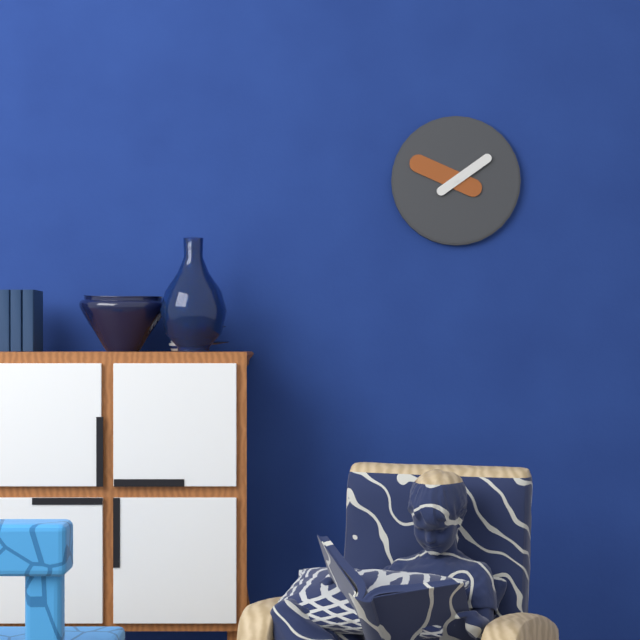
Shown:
1 h 49 min
